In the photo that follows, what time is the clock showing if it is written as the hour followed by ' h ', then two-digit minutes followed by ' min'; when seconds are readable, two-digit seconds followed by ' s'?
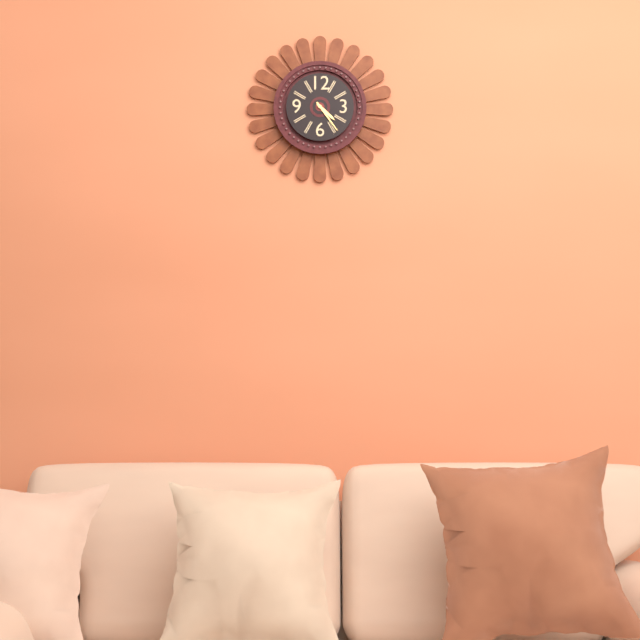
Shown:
4 h 24 min
